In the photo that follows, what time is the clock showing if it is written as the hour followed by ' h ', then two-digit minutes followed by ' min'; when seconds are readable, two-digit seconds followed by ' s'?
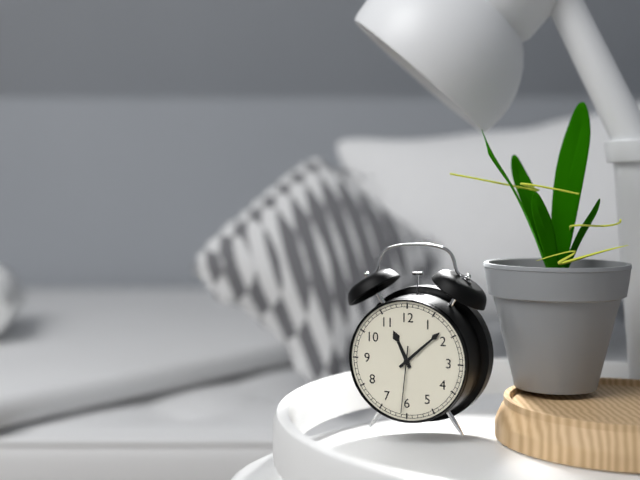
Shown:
11 h 08 min 31 s
